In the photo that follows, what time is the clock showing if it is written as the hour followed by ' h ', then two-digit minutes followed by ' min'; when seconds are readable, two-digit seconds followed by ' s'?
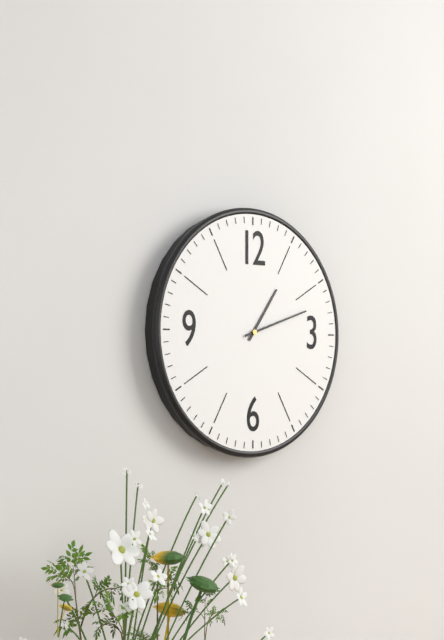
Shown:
1 h 12 min
